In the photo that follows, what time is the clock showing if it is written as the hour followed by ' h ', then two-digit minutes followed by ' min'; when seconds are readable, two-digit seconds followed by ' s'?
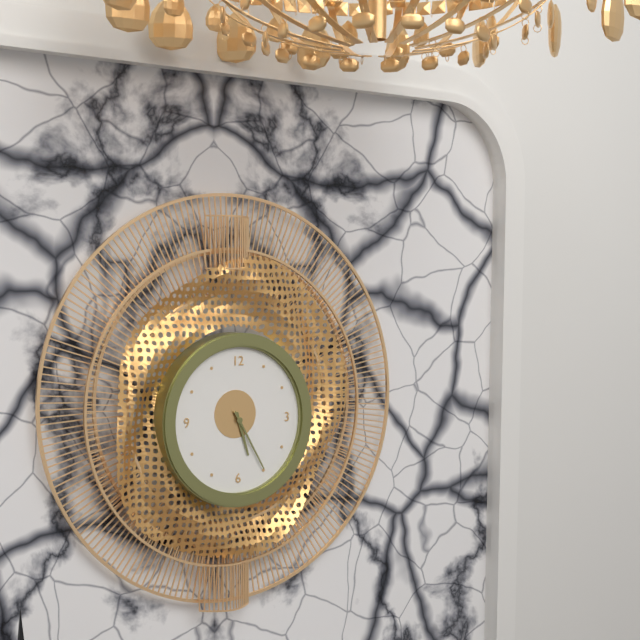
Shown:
5 h 25 min
